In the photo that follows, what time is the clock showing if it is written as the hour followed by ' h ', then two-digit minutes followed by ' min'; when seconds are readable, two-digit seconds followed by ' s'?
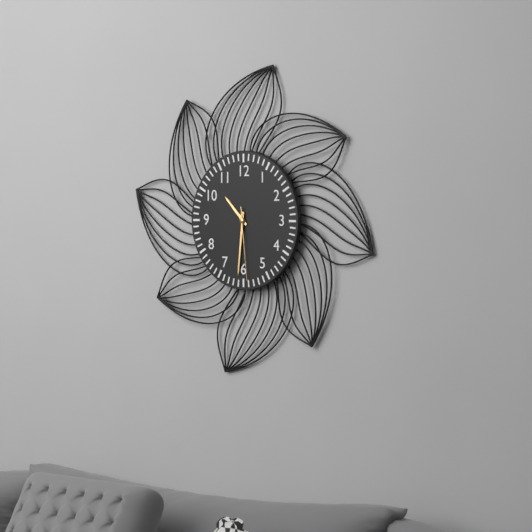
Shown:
10 h 31 min 29 s
